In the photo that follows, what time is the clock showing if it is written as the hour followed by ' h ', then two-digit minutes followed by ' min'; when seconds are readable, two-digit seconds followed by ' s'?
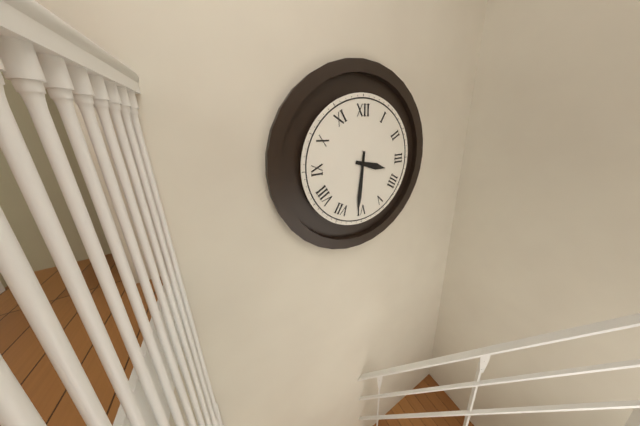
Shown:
3 h 31 min
